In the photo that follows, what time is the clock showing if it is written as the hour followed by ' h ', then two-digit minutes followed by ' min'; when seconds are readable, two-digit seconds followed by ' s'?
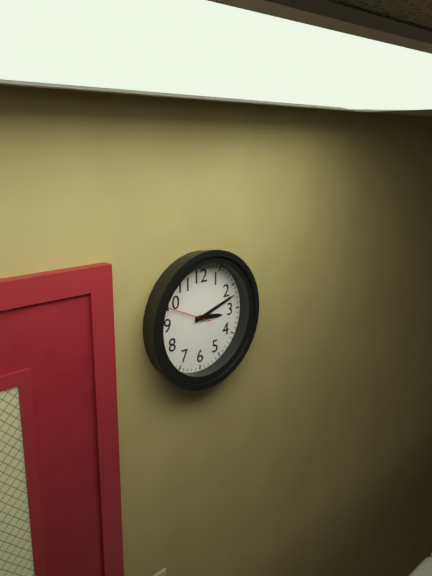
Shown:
3 h 12 min
